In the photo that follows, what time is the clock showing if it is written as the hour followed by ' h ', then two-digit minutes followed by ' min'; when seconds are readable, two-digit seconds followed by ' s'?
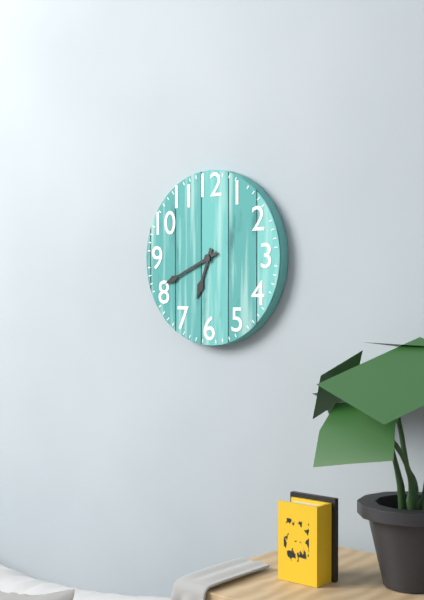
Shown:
6 h 41 min
